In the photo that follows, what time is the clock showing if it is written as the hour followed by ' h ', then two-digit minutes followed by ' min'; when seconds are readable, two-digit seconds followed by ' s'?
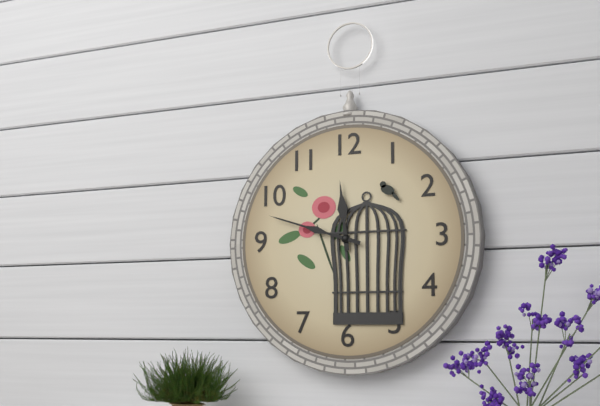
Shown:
11 h 48 min
